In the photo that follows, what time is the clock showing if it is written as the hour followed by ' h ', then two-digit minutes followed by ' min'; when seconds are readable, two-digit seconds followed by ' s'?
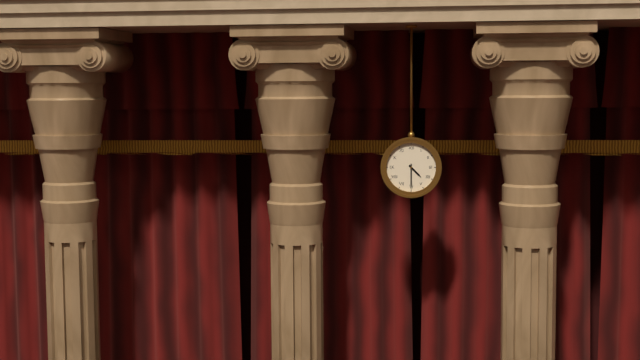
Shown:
4 h 30 min
